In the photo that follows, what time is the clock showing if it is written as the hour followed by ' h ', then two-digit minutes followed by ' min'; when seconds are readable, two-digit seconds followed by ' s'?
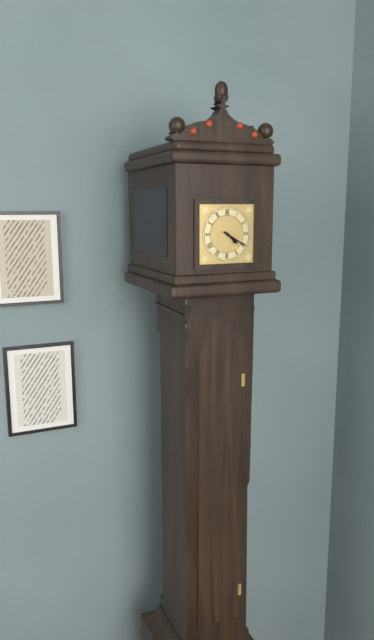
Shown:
4 h 20 min
